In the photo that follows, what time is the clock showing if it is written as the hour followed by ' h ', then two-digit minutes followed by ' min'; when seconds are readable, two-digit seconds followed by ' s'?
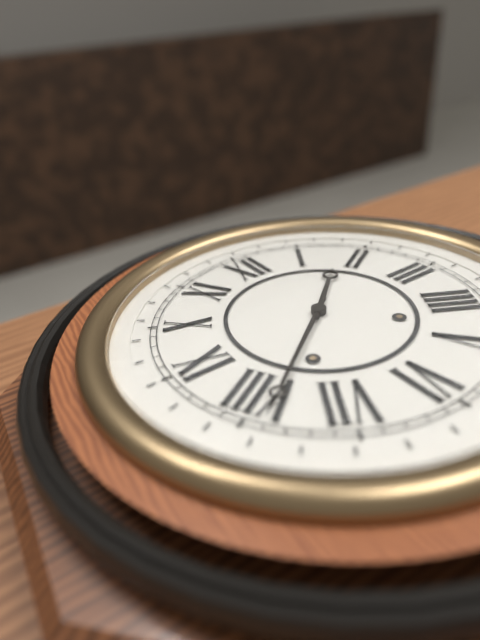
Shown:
1 h 39 min
